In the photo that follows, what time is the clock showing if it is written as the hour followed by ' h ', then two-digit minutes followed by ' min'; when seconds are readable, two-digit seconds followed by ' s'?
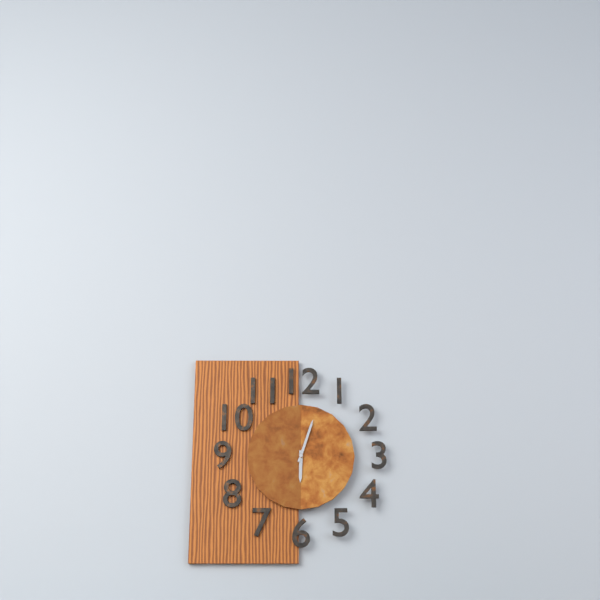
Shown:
6 h 03 min
